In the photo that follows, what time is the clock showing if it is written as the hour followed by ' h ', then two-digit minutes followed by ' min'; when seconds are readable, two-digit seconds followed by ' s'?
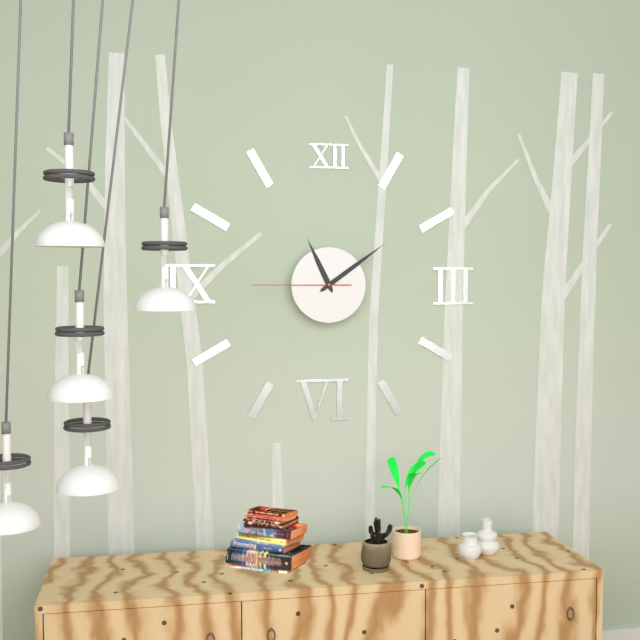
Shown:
11 h 09 min 45 s
